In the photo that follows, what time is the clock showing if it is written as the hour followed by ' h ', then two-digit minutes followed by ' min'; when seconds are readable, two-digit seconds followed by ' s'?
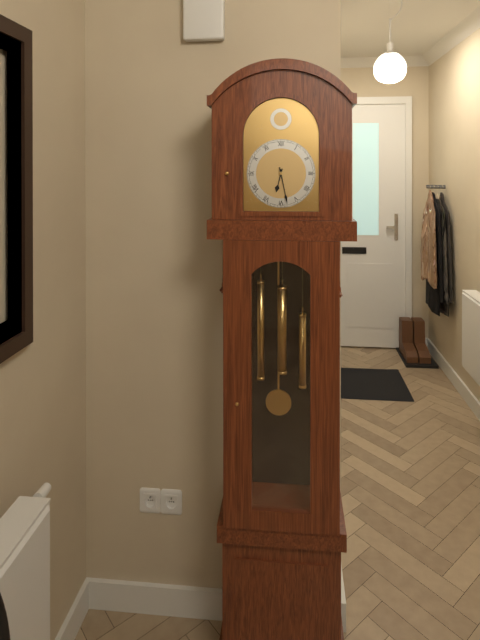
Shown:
6 h 28 min
